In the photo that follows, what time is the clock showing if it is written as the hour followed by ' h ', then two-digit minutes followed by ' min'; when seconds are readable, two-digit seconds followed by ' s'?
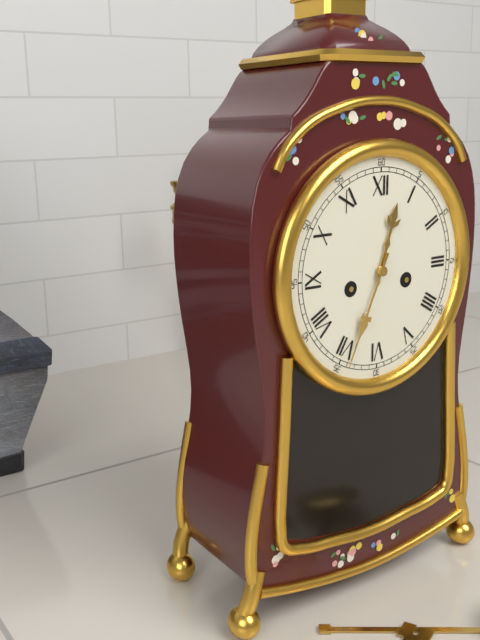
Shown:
12 h 34 min
